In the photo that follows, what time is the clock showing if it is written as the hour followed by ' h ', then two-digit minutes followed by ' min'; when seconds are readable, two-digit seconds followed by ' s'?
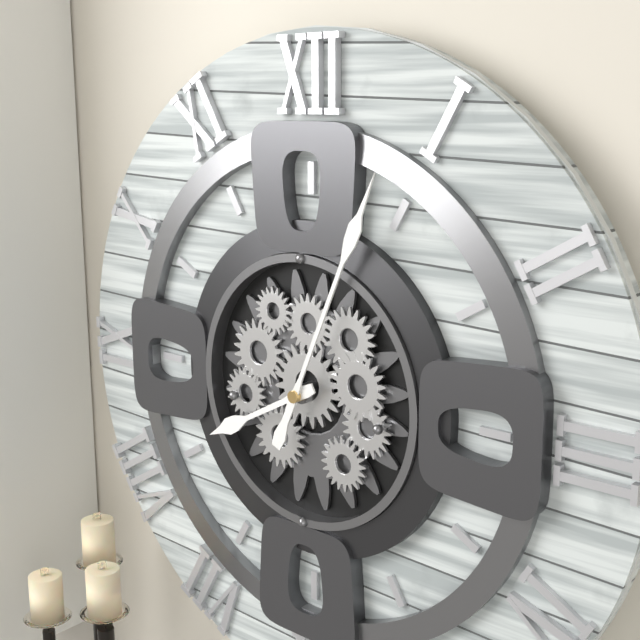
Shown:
8 h 04 min
